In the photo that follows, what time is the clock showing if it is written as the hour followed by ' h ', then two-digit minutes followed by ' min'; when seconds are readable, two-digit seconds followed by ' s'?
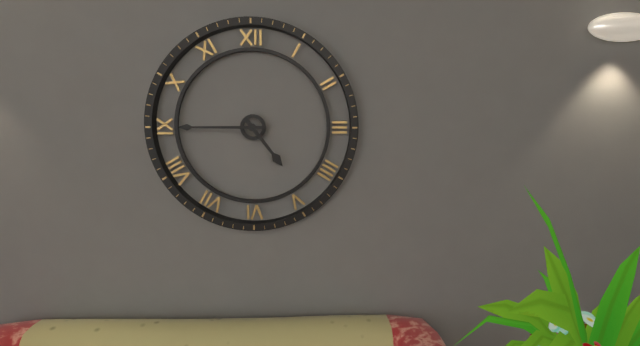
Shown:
4 h 45 min
